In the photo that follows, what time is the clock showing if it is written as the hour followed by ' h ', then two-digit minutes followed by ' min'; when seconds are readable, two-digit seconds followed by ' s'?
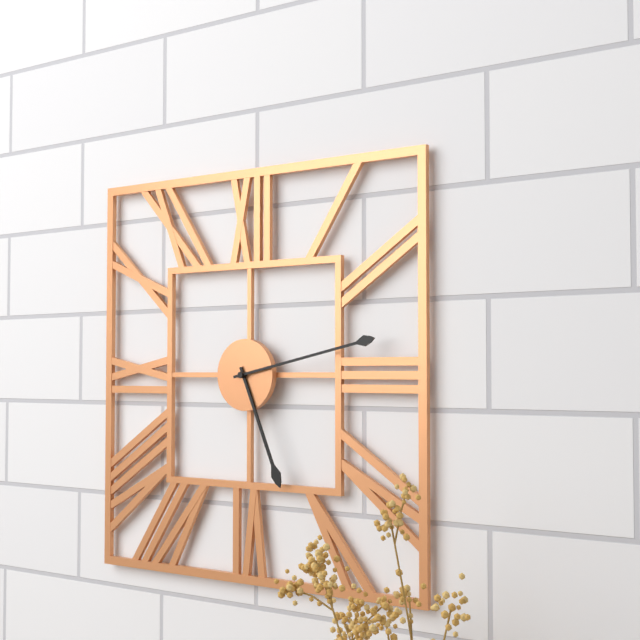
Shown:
5 h 13 min
